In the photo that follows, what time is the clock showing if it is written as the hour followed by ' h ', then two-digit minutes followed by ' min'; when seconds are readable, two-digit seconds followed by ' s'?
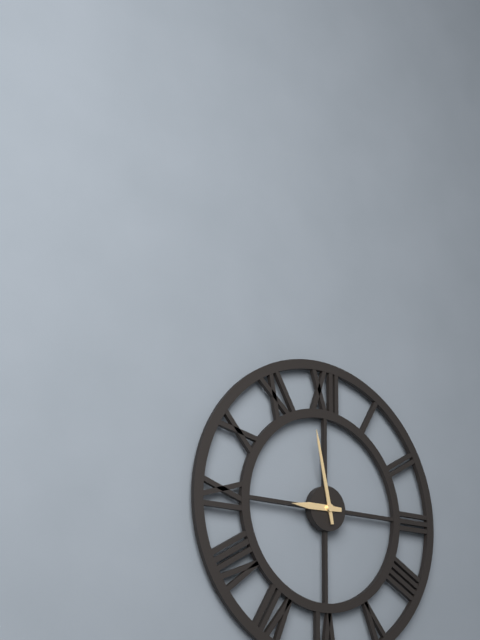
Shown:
8 h 58 min
